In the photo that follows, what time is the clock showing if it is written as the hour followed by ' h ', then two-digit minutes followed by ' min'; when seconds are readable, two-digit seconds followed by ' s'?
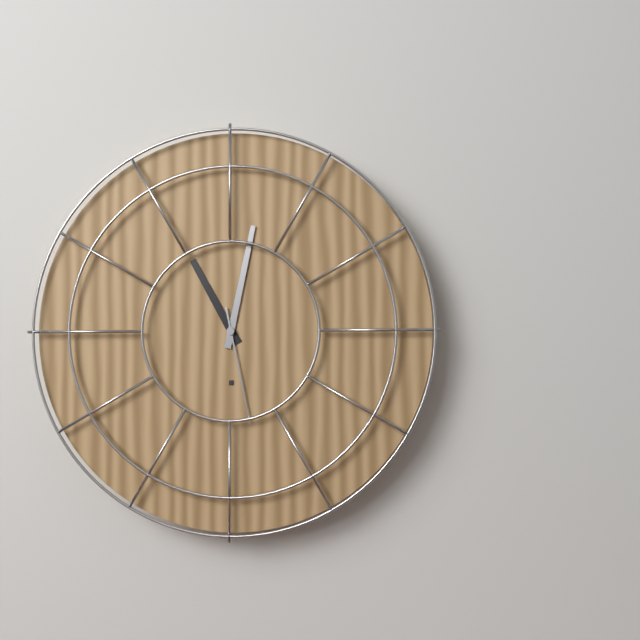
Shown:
11 h 02 min 28 s
